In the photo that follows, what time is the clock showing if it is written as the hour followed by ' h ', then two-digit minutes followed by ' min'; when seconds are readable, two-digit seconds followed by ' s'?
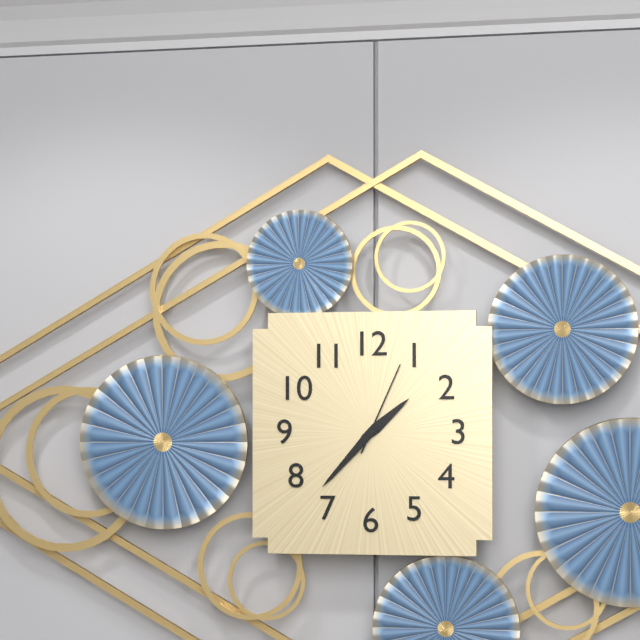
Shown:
1 h 37 min 04 s
